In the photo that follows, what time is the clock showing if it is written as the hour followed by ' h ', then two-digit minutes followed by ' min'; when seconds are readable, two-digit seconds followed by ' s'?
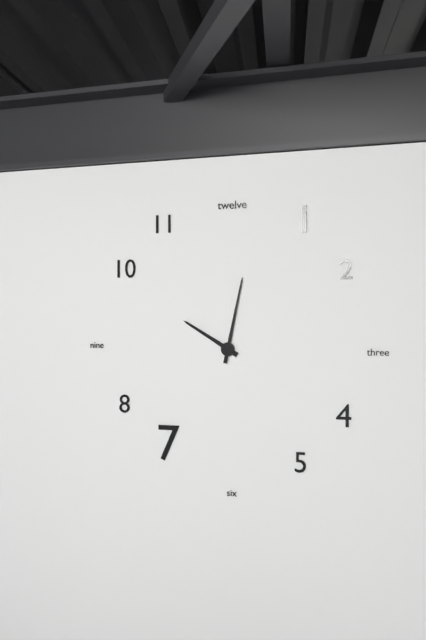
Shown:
10 h 02 min
